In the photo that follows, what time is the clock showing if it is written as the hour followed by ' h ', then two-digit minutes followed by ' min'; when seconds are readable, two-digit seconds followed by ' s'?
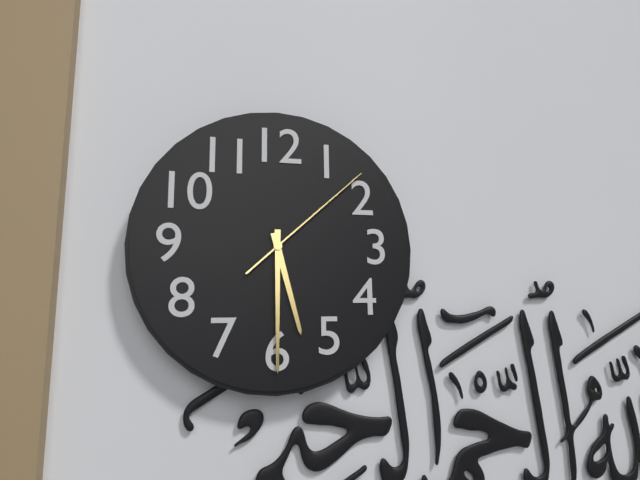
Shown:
5 h 30 min 08 s
